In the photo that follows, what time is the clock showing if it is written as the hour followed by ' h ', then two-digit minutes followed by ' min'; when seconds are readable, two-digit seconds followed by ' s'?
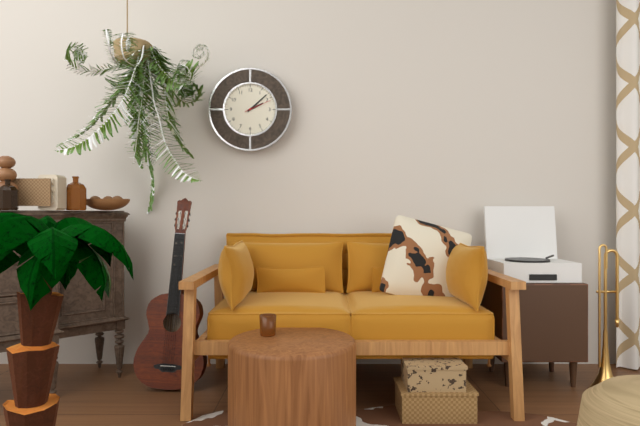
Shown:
2 h 08 min
